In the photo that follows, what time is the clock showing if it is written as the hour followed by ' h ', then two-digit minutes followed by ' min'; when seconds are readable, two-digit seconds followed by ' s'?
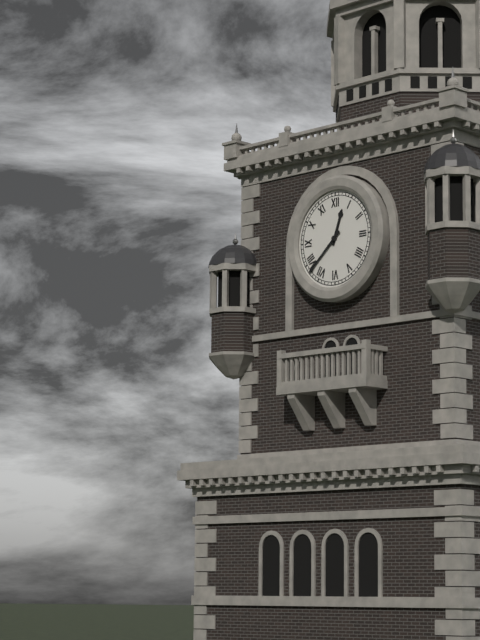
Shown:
12 h 38 min
